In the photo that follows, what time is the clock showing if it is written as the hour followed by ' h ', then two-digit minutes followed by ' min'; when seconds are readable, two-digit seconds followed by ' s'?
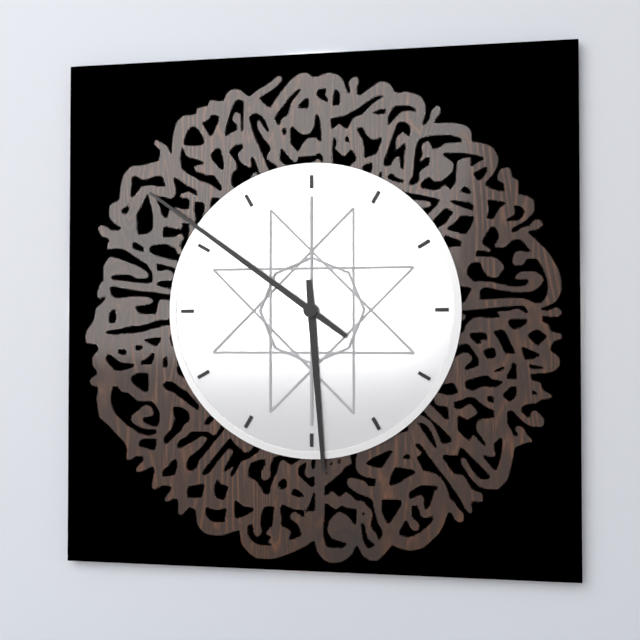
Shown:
5 h 51 min
